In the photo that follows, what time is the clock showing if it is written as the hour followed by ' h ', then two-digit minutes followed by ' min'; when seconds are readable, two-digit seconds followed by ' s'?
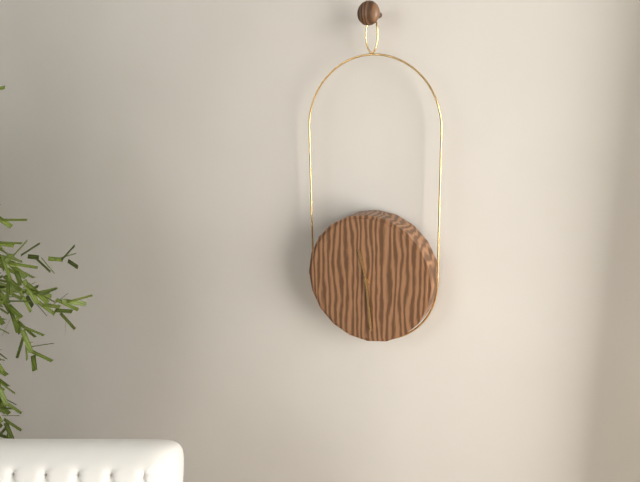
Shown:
11 h 29 min
